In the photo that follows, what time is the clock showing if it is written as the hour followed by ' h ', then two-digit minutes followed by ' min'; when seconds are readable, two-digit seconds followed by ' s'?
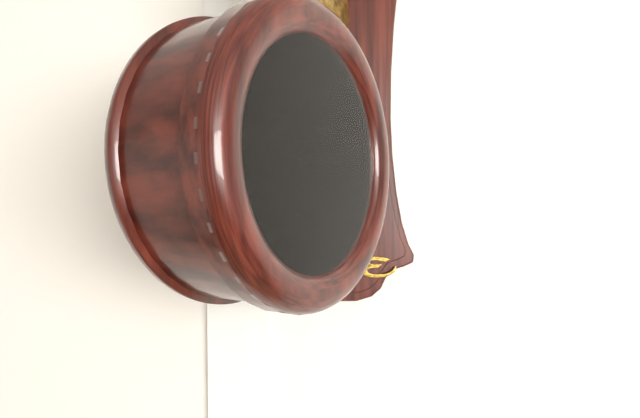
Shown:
9 h 38 min 57 s
